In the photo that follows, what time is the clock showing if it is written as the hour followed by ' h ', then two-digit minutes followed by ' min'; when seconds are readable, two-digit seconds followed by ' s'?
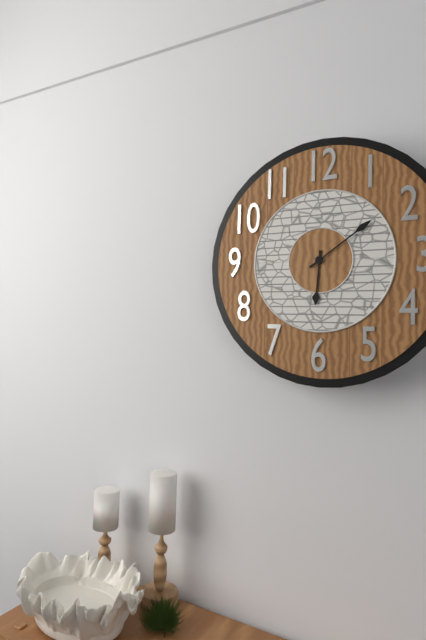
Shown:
6 h 09 min
